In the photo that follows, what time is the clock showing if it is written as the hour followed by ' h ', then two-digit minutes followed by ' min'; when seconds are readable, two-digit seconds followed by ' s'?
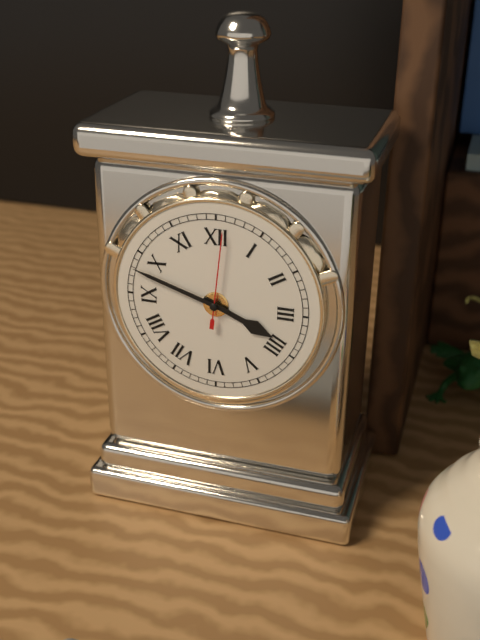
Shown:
3 h 48 min 01 s
